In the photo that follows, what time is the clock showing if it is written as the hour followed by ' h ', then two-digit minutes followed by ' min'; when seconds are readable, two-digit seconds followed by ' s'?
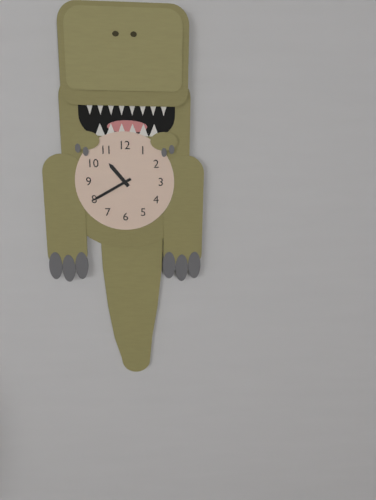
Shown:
10 h 40 min
